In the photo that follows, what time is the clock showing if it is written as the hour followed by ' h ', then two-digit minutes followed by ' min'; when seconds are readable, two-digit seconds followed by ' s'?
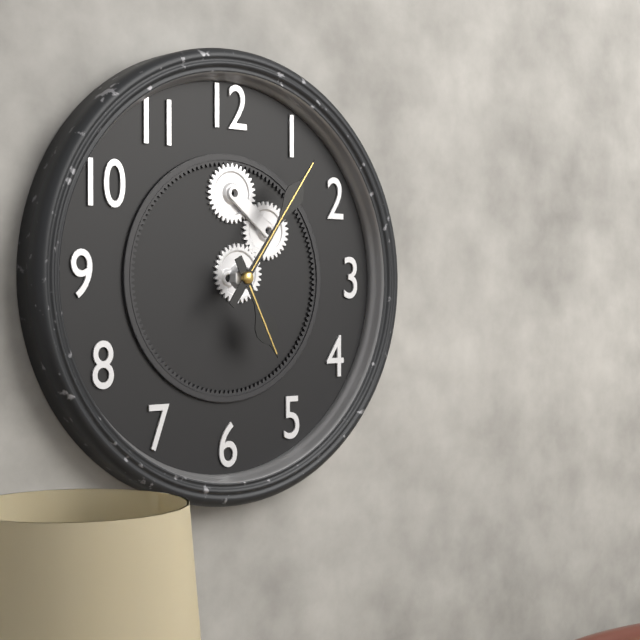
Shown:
5 h 06 min
